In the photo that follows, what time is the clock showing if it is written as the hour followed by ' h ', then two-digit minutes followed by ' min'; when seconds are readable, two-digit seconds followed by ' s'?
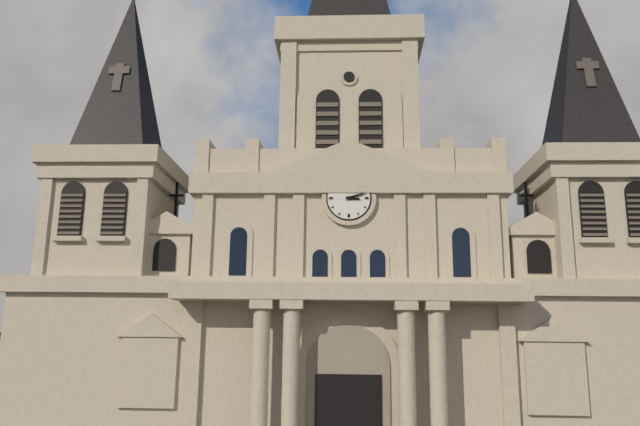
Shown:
3 h 12 min
